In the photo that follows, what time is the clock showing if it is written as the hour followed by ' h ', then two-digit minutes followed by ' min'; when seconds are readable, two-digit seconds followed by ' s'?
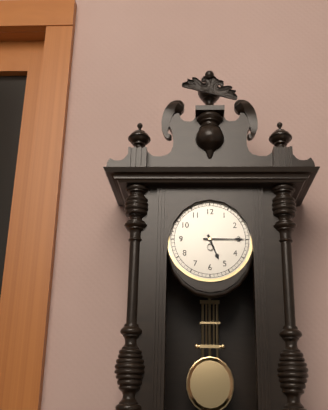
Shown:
5 h 15 min
